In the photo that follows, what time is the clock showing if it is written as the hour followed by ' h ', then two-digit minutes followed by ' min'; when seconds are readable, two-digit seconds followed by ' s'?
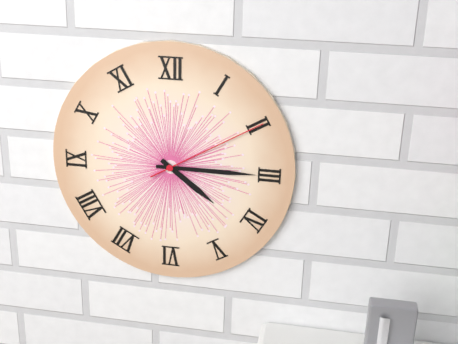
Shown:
4 h 15 min 10 s
